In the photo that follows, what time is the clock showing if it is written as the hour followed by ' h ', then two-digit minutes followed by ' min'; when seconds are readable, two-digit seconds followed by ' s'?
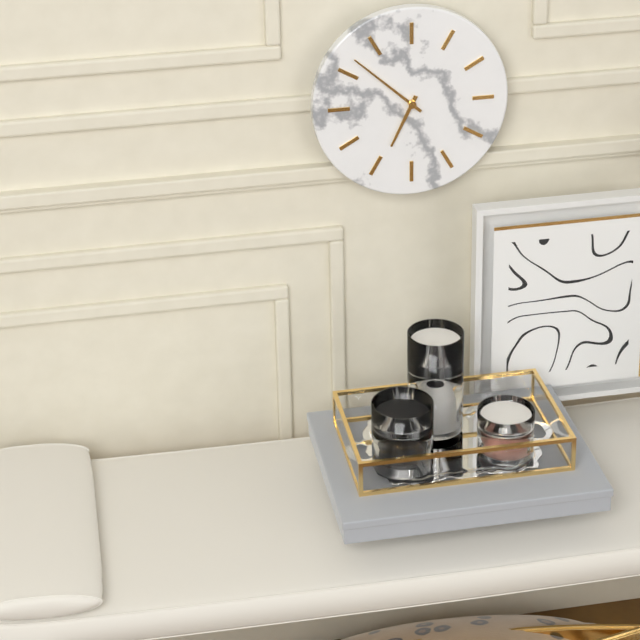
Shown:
6 h 52 min
